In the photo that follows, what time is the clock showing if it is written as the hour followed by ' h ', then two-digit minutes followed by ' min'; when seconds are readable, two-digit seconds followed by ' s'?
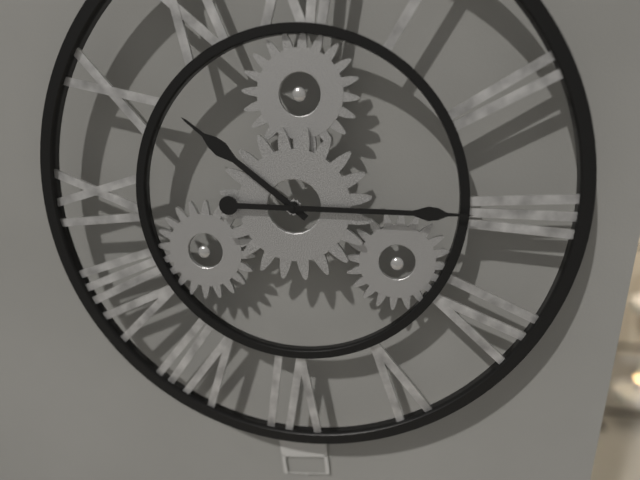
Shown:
10 h 15 min
